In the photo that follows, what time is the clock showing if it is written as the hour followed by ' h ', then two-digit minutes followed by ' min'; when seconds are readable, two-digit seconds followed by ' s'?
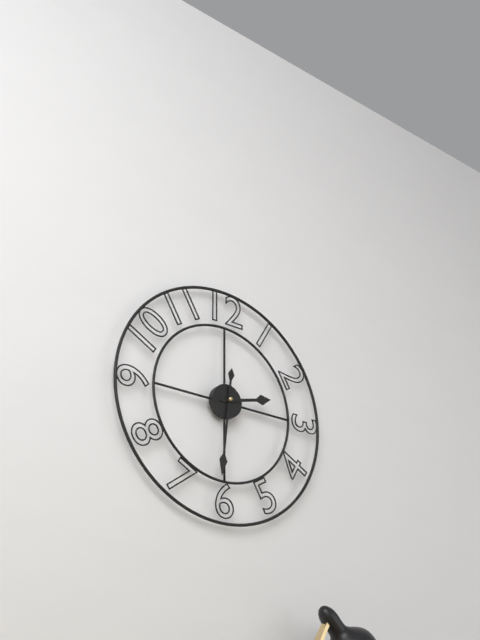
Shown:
2 h 31 min
